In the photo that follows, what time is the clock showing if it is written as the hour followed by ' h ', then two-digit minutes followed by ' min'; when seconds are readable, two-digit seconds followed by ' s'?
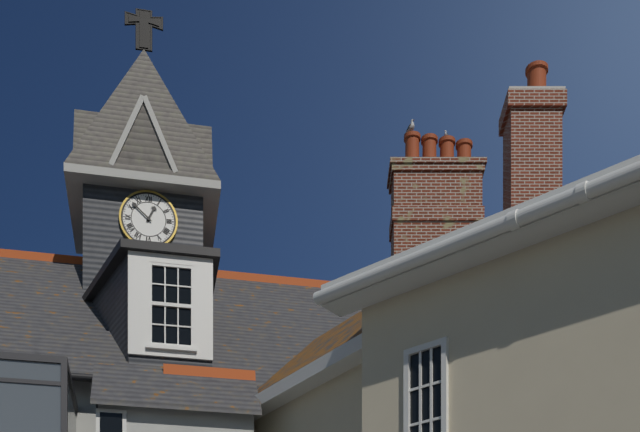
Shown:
12 h 52 min
